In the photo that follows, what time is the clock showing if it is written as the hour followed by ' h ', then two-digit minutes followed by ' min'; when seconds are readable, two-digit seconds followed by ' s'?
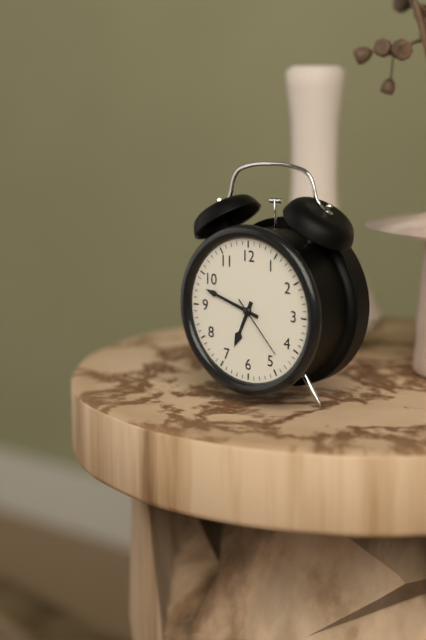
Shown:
6 h 48 min 23 s
